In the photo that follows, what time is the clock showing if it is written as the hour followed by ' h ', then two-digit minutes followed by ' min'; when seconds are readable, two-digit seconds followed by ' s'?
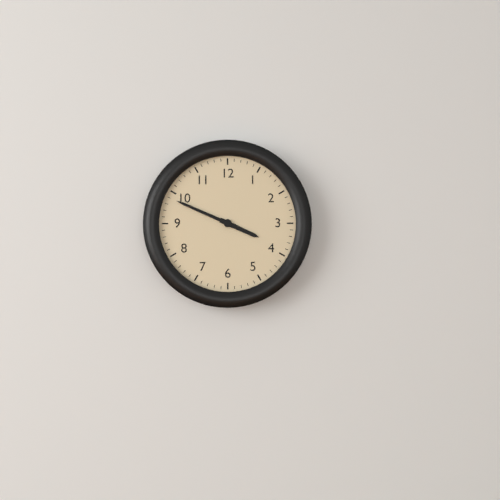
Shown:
3 h 49 min
